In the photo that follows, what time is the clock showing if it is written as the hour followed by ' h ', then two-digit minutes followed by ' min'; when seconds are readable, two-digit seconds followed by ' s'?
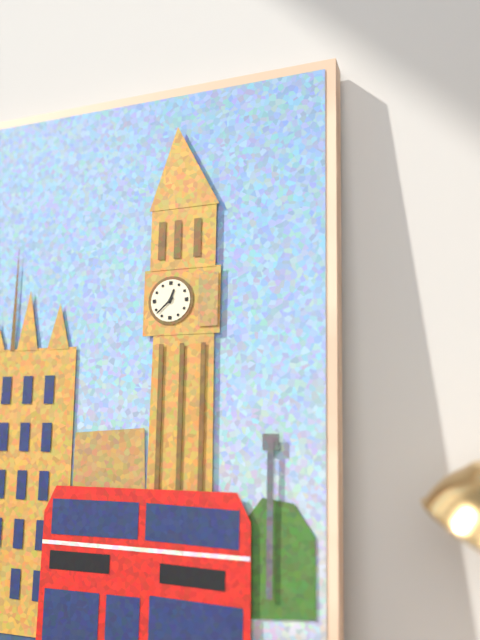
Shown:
12 h 38 min
